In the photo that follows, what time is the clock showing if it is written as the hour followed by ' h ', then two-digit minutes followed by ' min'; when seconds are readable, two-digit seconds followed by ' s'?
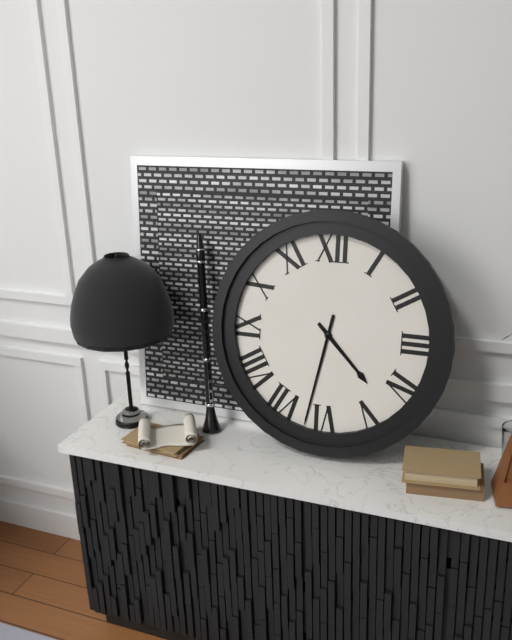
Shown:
4 h 32 min
